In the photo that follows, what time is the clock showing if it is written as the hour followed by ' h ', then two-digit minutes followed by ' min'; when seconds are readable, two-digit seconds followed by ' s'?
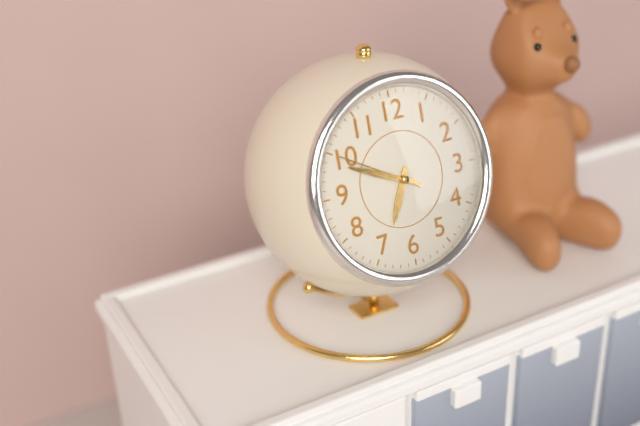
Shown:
6 h 49 min 50 s
